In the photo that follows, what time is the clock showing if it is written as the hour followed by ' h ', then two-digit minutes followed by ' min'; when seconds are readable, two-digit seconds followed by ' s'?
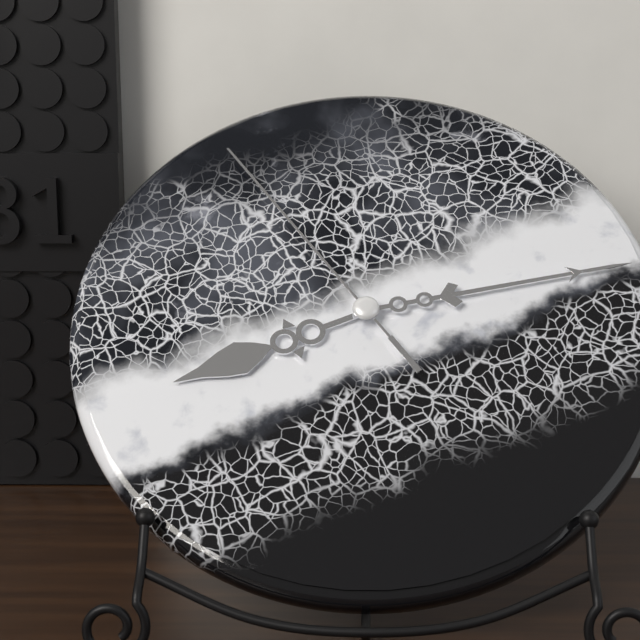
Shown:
8 h 13 min 54 s
